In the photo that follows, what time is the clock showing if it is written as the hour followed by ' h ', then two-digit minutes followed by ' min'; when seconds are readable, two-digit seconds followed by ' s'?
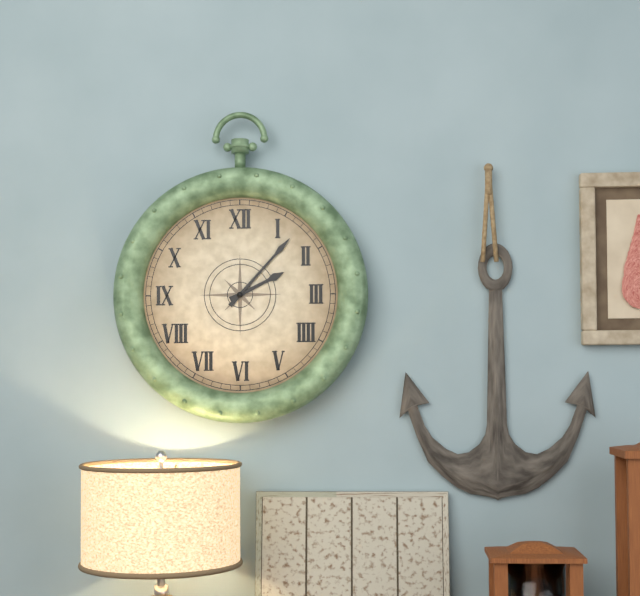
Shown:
2 h 07 min
